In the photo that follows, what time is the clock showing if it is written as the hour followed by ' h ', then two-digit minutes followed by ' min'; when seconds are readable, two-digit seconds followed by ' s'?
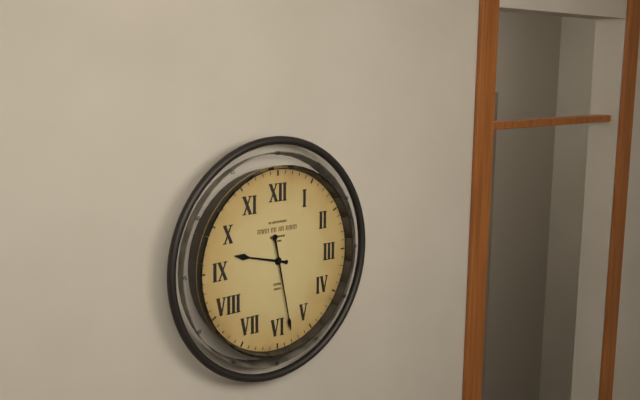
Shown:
9 h 28 min
